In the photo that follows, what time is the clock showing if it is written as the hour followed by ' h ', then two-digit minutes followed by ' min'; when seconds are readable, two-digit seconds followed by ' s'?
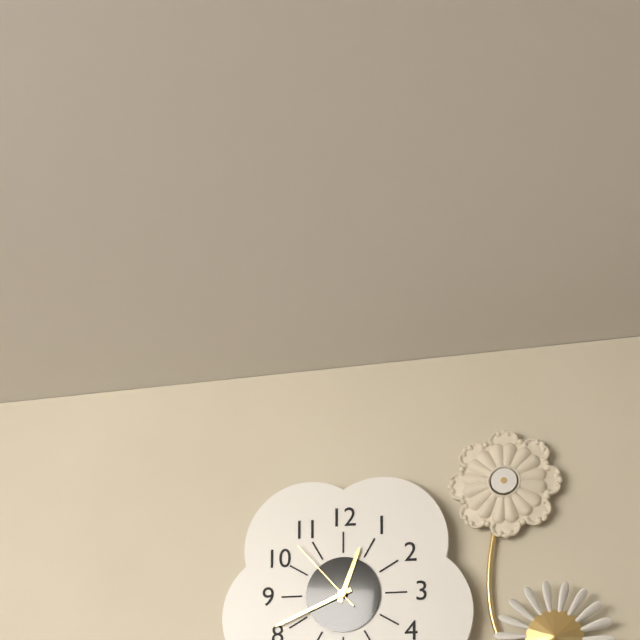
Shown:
12 h 41 min 53 s
